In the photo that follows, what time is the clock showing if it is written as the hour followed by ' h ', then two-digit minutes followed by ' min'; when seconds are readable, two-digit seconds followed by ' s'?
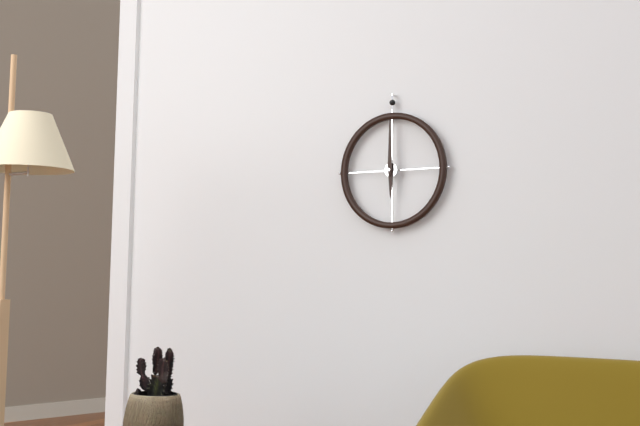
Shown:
6 h 00 min
